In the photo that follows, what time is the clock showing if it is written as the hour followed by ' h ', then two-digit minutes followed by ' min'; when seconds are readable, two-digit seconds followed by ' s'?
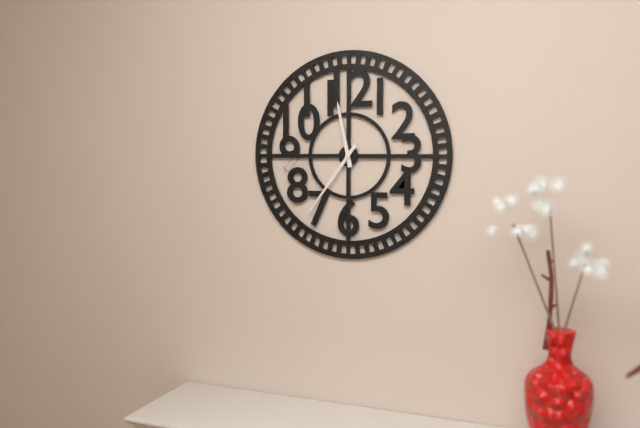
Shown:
11 h 36 min
